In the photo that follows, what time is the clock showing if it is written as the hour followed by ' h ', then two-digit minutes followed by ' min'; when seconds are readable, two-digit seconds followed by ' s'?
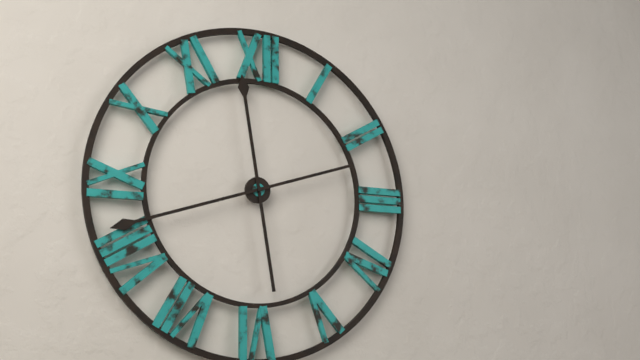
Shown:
11 h 42 min
